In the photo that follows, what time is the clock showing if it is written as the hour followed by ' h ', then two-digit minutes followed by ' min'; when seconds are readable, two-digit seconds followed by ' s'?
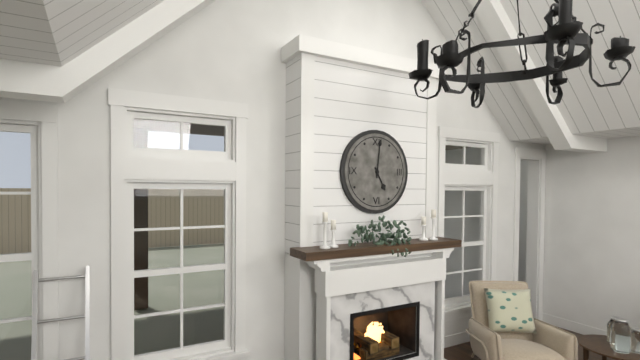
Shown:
5 h 01 min
